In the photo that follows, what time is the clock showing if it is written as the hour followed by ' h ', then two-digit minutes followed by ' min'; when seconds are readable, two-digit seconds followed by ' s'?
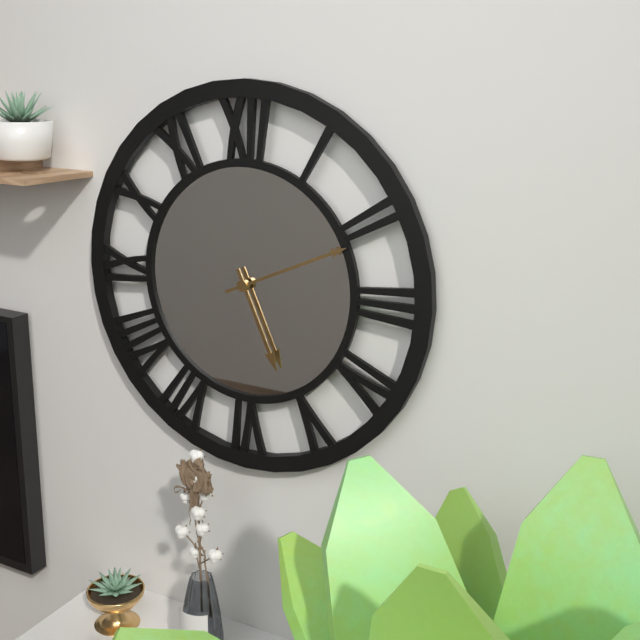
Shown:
5 h 11 min
